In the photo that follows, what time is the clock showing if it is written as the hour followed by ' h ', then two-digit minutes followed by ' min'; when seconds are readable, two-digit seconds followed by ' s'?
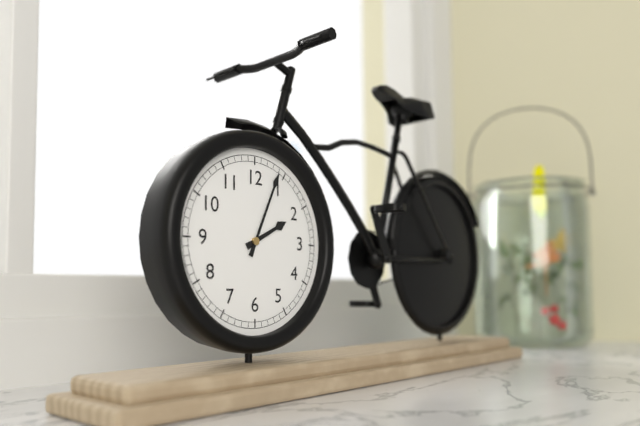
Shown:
2 h 04 min
